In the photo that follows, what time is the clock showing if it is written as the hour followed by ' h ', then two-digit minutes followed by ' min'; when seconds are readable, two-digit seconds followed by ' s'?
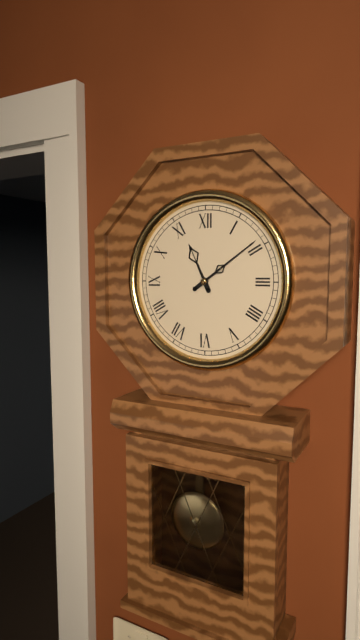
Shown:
11 h 09 min
